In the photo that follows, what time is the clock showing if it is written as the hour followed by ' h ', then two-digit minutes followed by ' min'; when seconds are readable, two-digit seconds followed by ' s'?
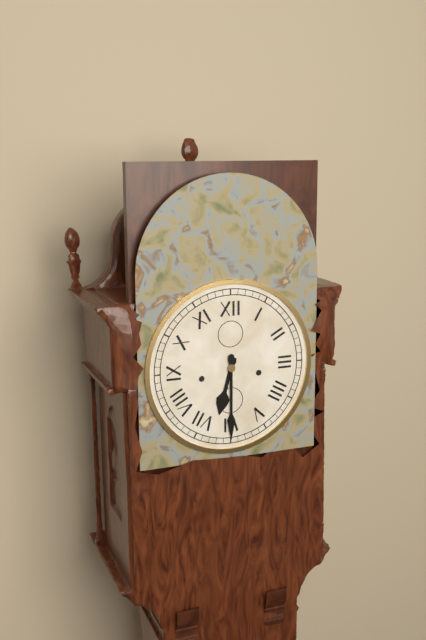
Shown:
6 h 30 min
